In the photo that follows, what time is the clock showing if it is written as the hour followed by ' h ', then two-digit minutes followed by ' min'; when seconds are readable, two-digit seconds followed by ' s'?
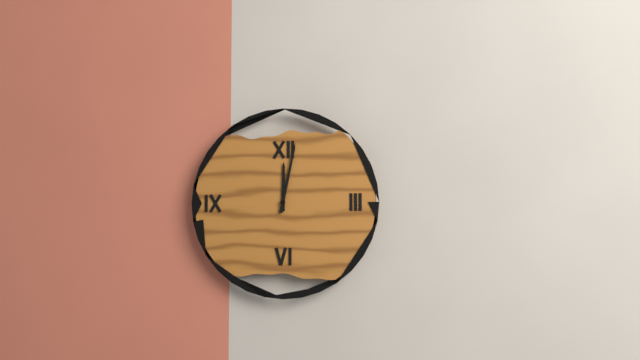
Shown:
12 h 02 min
